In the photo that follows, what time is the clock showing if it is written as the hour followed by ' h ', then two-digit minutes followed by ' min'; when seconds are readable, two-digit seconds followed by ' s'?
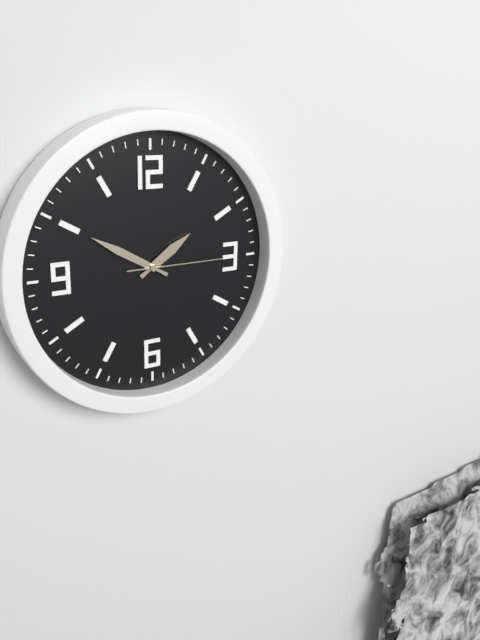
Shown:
1 h 50 min 15 s
